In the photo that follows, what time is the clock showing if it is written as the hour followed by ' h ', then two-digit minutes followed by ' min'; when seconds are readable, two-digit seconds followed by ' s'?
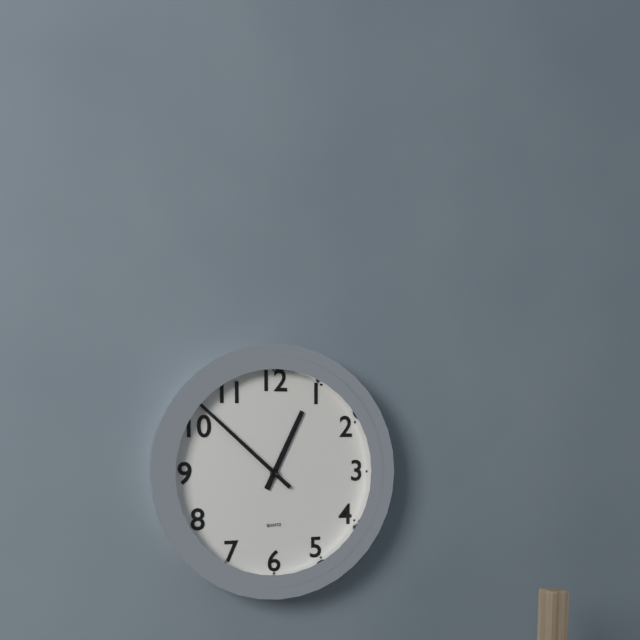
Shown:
12 h 52 min
